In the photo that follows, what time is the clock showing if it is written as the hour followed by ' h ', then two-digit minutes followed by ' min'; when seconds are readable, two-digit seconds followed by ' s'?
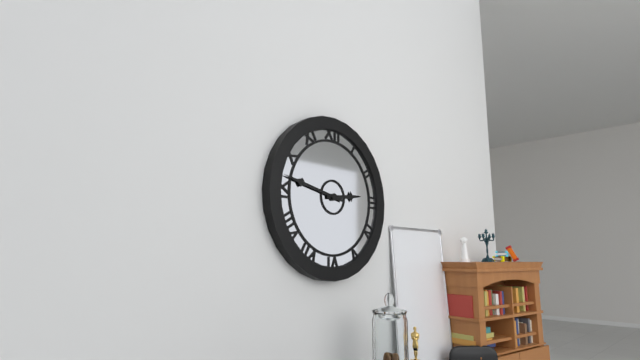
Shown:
2 h 47 min
